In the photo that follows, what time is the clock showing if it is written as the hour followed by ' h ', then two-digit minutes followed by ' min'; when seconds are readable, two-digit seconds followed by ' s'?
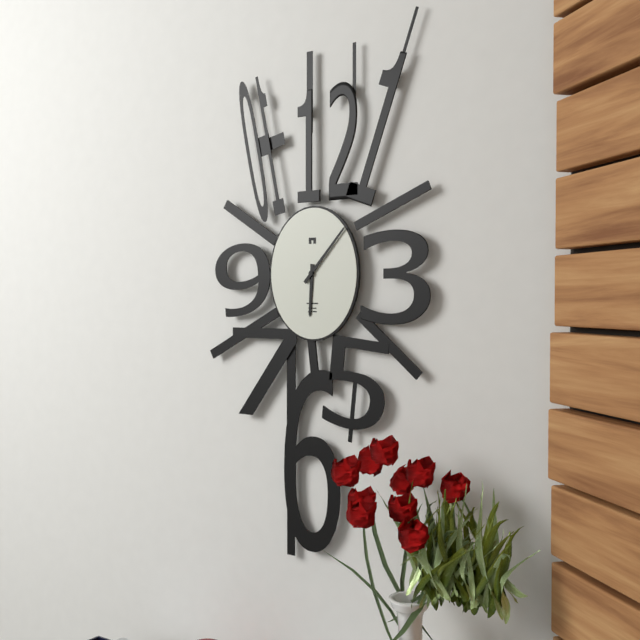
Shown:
6 h 07 min
